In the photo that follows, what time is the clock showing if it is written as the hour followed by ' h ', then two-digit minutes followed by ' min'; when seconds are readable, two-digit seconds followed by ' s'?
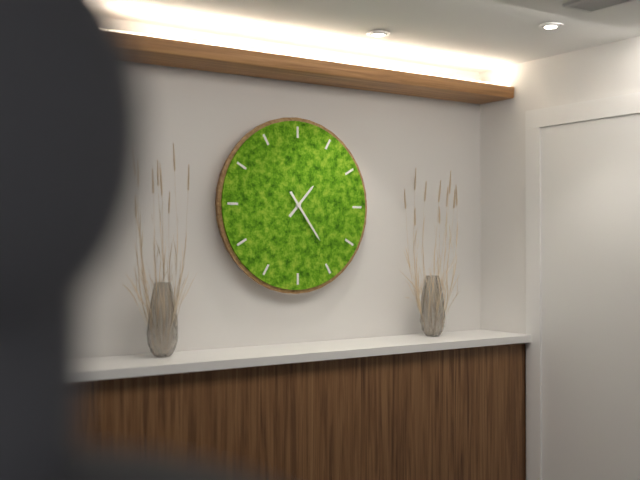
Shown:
1 h 24 min
